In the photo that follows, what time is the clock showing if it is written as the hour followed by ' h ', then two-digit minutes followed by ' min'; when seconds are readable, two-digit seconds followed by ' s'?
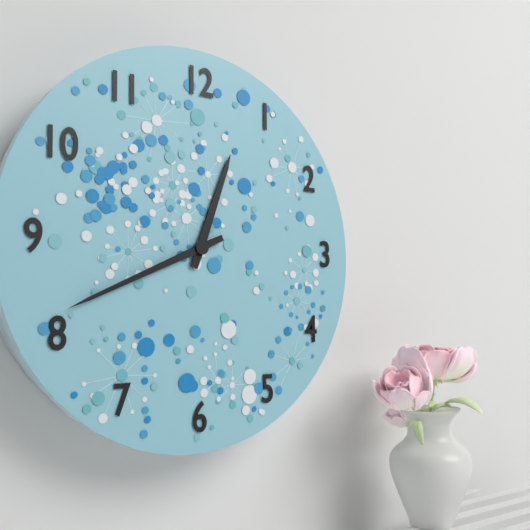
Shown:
12 h 41 min
